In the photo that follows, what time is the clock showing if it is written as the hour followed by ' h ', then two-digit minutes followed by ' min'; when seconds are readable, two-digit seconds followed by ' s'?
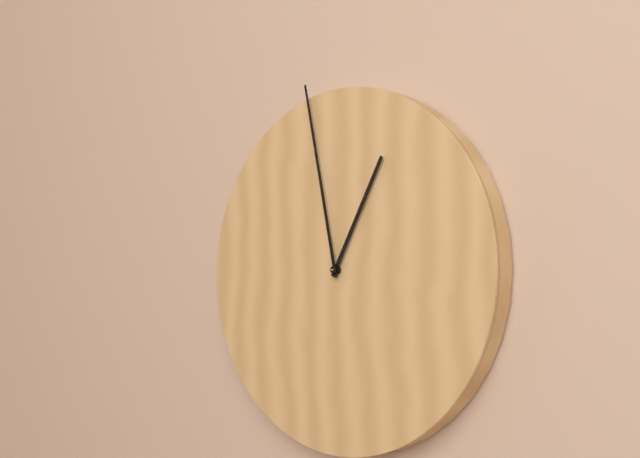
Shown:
12 h 58 min
